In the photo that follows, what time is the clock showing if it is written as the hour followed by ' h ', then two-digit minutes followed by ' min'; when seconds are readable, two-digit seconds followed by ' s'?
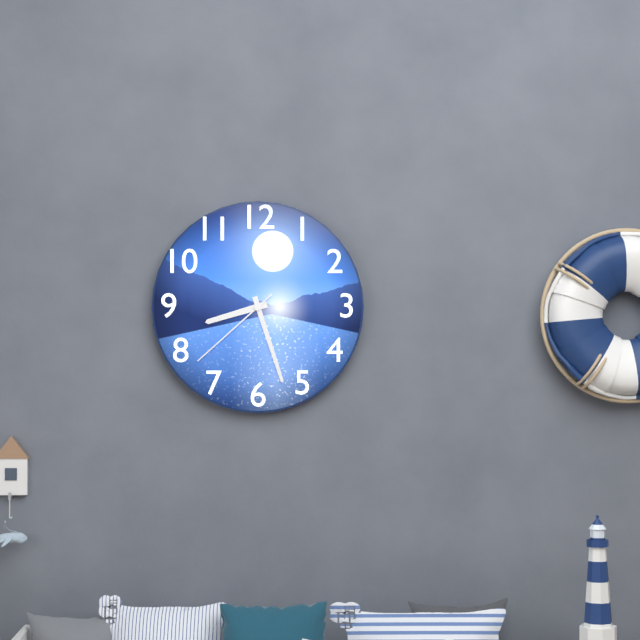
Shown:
8 h 27 min 38 s
